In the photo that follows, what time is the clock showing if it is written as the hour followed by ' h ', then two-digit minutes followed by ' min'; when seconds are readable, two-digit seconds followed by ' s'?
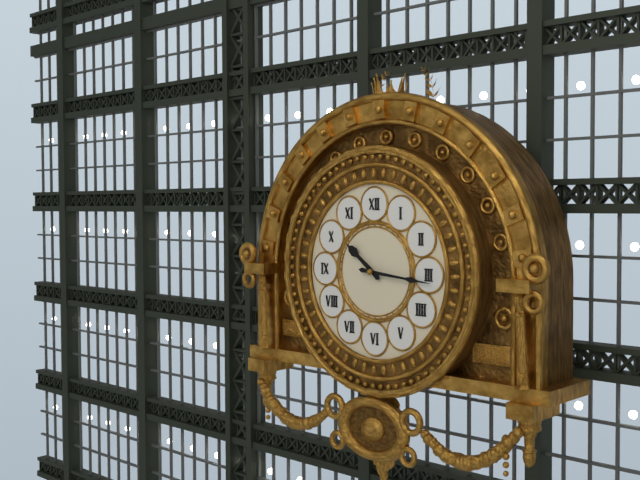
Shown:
10 h 16 min
